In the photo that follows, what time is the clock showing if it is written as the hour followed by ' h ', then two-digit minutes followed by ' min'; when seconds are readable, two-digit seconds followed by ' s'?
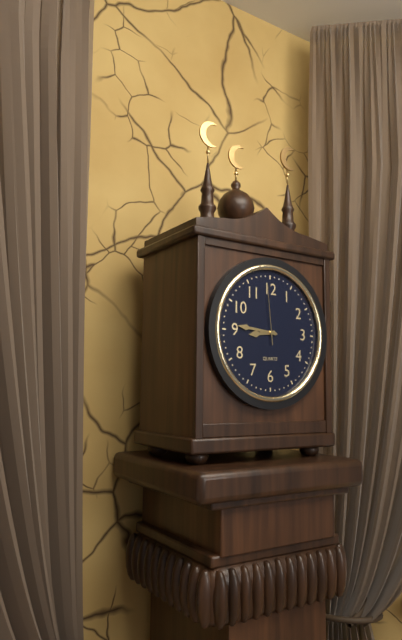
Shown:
8 h 46 min 59 s
